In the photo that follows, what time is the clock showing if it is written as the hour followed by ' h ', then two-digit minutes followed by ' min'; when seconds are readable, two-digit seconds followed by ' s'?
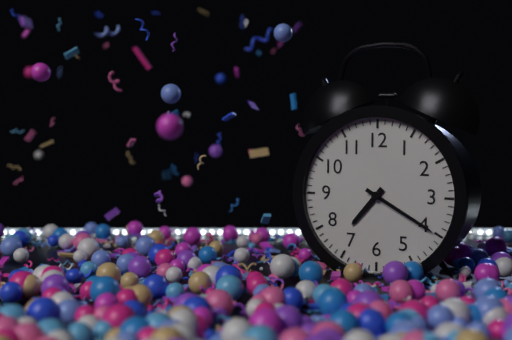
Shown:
7 h 20 min
